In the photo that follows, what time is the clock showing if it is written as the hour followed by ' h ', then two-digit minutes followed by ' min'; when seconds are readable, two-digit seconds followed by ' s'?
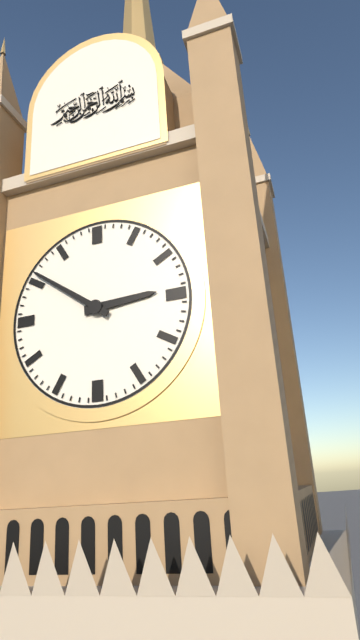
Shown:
2 h 51 min
